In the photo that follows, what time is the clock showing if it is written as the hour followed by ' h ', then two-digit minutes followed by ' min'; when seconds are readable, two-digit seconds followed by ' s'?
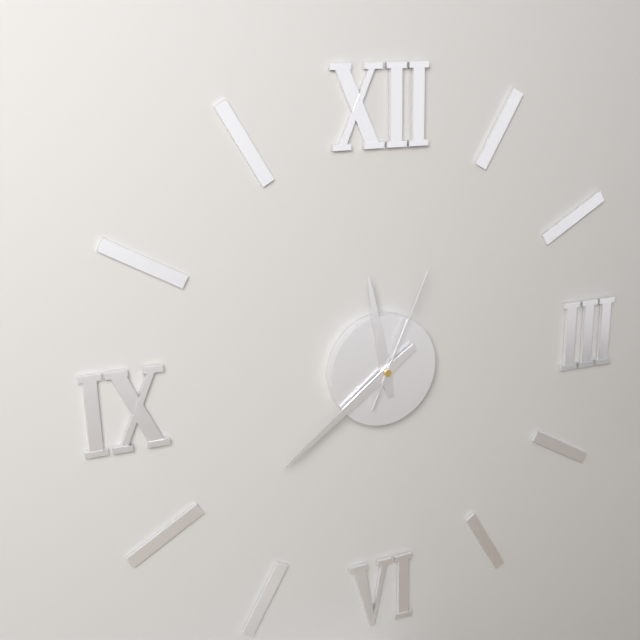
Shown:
11 h 39 min 04 s
